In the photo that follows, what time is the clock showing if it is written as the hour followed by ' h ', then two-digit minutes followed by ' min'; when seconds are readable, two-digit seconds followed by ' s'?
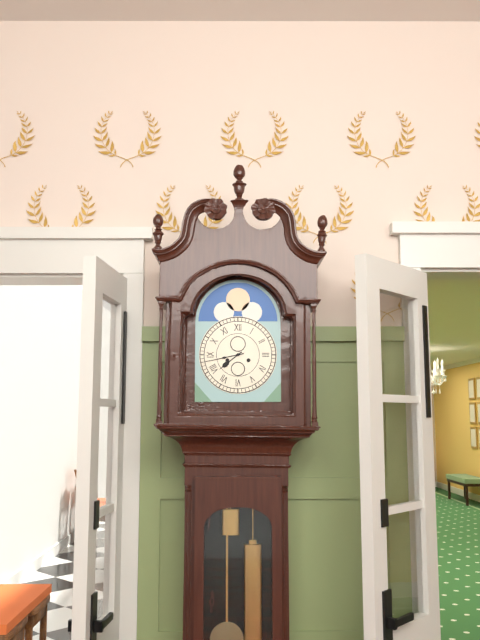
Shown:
7 h 43 min
